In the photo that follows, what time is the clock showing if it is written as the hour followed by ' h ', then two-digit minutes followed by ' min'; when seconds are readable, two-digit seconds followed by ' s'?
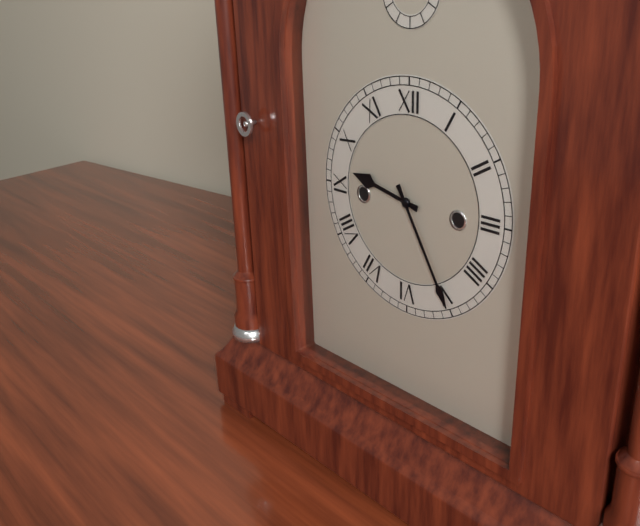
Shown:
9 h 25 min
